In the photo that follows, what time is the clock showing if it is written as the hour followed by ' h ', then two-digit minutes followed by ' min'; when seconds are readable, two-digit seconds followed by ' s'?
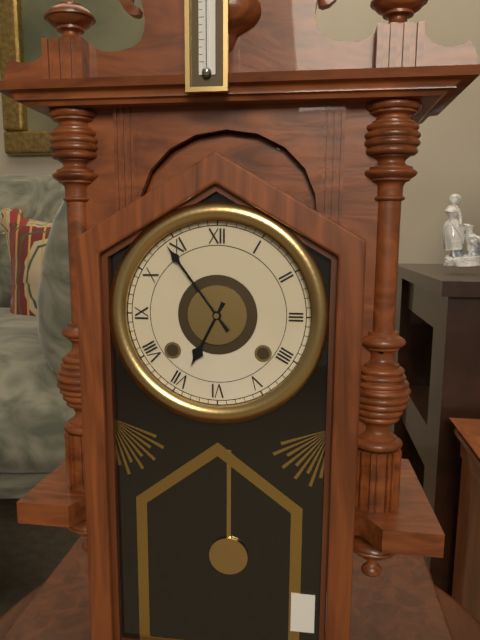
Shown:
6 h 54 min
